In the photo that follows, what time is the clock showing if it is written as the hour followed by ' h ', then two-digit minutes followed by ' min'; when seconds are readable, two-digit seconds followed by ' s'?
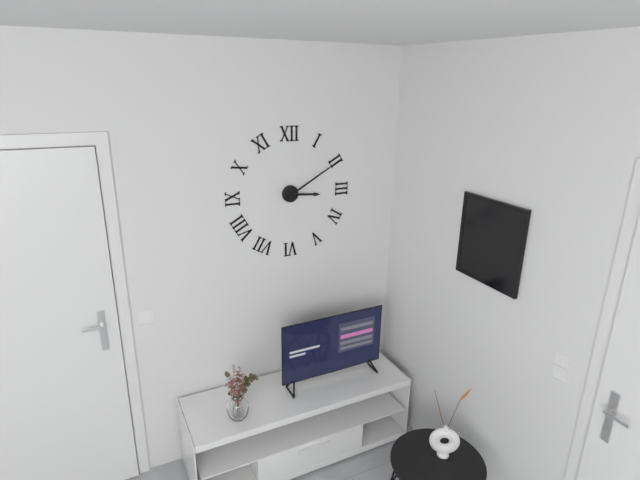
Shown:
3 h 10 min
